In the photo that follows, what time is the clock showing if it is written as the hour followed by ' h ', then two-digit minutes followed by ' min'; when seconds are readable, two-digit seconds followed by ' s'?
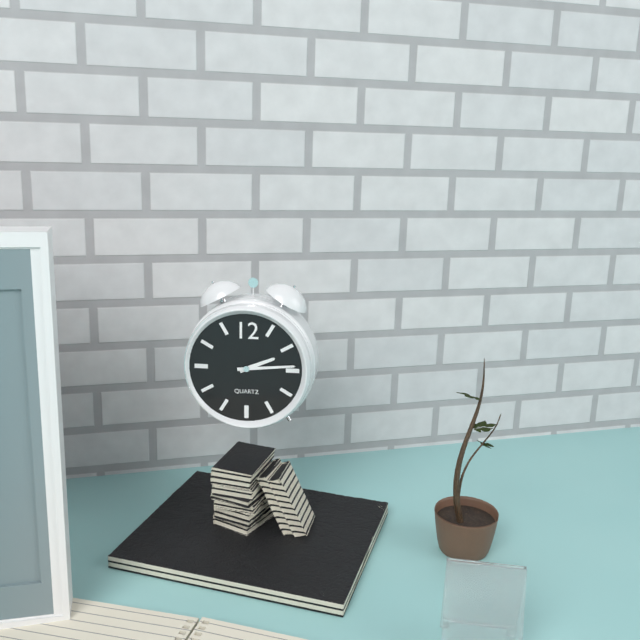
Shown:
2 h 14 min
